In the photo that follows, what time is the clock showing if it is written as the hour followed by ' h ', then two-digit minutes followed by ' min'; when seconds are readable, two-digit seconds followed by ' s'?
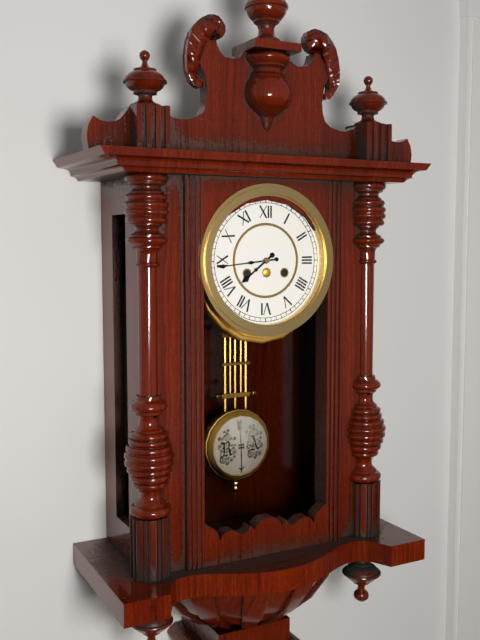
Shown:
7 h 44 min
